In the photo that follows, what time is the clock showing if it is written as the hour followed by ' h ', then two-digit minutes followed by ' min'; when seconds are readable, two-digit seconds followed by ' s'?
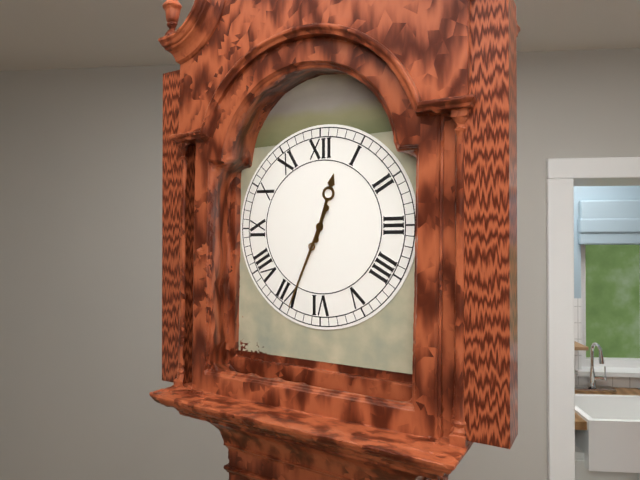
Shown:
12 h 34 min
